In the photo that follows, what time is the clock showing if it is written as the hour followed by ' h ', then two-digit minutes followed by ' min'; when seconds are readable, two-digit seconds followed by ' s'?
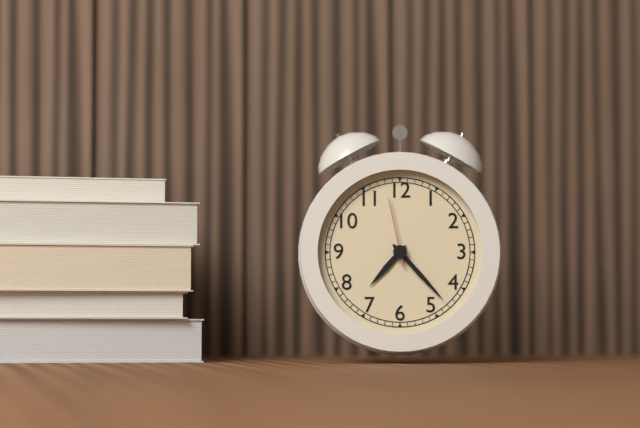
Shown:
7 h 23 min 58 s
